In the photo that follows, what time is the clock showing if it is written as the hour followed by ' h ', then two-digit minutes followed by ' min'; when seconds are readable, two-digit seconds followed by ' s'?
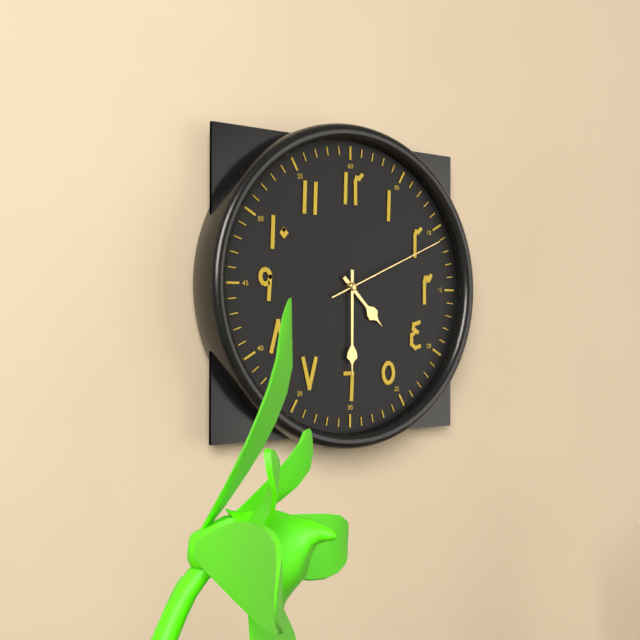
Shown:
4 h 30 min 11 s
